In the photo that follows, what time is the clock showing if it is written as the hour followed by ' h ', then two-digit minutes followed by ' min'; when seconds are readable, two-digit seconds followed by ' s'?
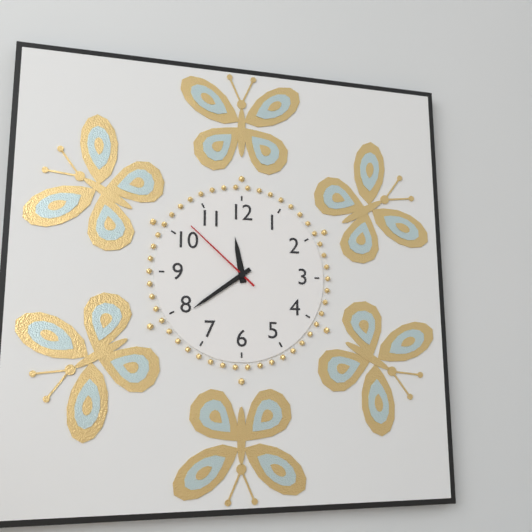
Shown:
11 h 39 min 52 s
